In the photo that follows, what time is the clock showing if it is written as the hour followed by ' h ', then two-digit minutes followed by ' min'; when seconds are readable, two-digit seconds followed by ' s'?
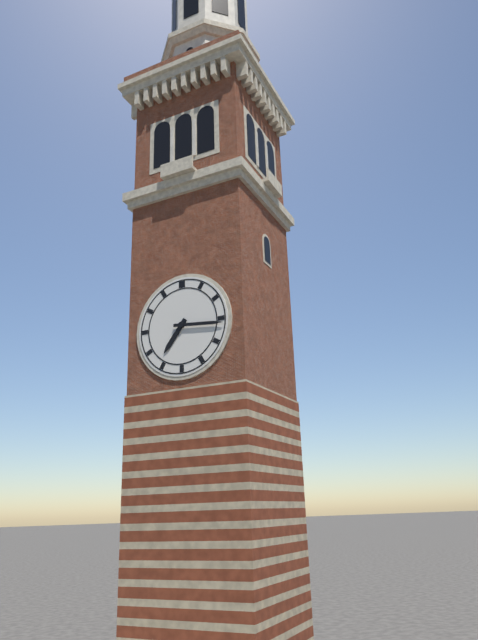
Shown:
7 h 16 min
